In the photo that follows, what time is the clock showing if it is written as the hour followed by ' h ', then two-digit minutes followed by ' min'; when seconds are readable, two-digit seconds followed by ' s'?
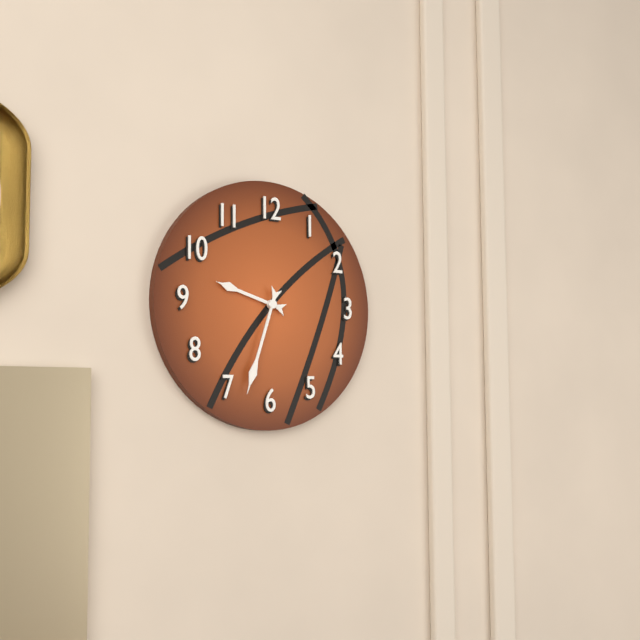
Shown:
9 h 33 min
